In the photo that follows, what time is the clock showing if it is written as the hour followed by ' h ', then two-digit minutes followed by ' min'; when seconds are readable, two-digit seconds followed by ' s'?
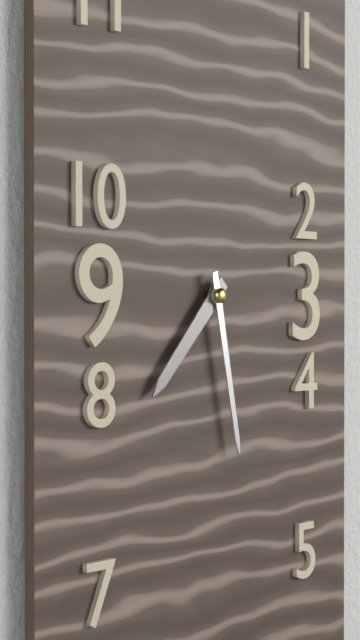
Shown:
7 h 28 min
